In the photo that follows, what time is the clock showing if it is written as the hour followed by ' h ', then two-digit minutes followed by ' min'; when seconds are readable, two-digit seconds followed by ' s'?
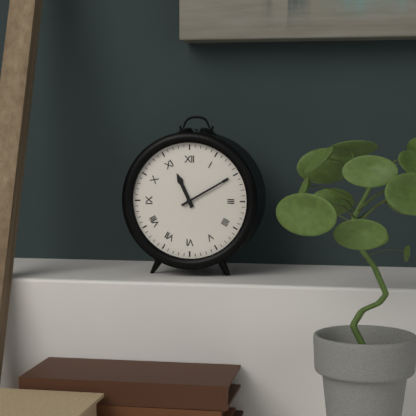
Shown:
11 h 10 min
